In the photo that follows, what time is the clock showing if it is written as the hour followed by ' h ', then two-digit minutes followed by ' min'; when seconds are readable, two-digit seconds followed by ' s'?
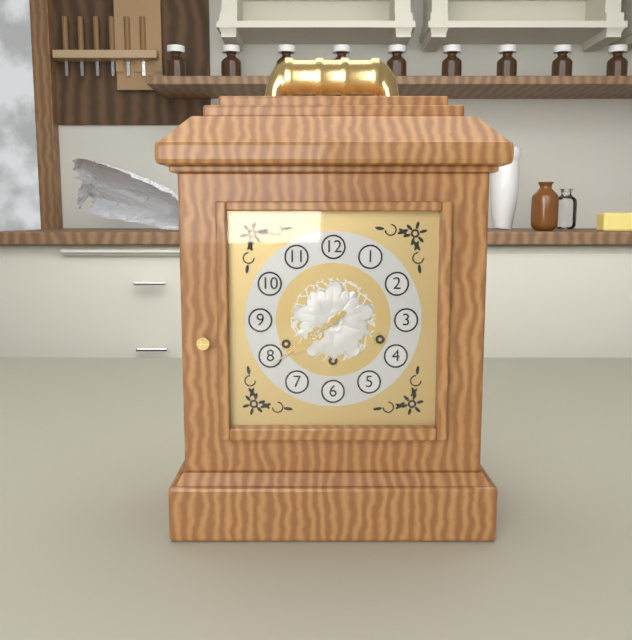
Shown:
7 h 39 min
